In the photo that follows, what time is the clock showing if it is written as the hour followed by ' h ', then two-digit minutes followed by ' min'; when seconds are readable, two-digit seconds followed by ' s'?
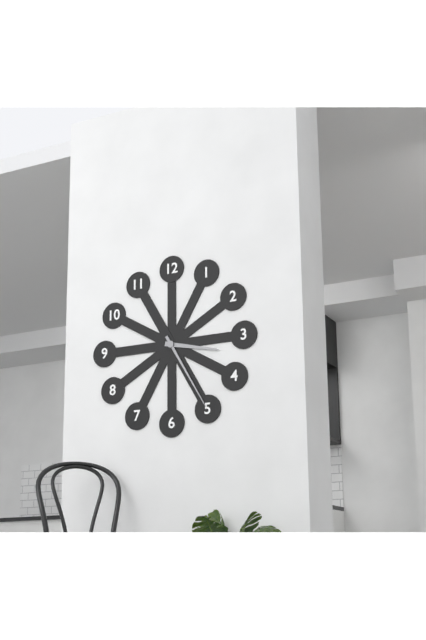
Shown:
3 h 25 min
